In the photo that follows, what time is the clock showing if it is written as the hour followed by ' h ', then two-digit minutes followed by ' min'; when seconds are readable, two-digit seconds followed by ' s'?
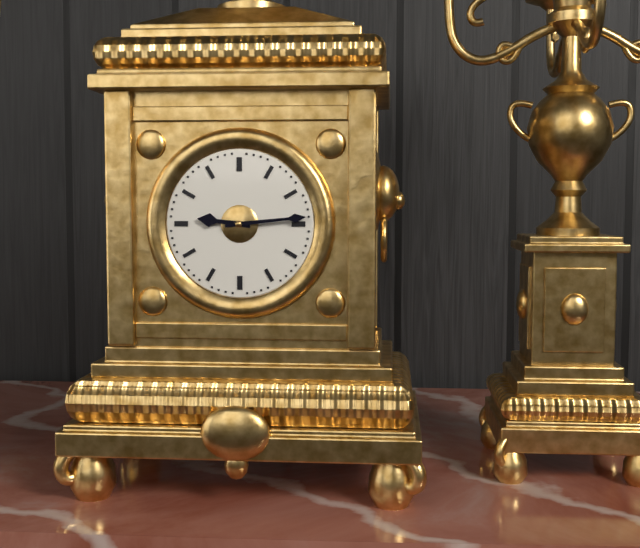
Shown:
9 h 14 min
